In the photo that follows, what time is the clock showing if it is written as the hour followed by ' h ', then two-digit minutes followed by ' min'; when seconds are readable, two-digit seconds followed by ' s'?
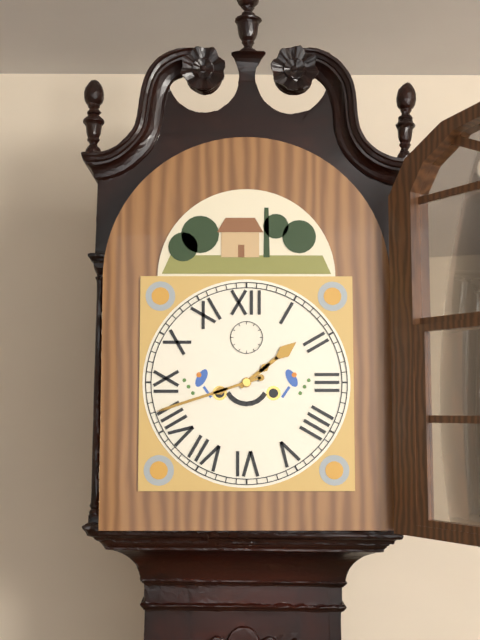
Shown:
1 h 42 min
